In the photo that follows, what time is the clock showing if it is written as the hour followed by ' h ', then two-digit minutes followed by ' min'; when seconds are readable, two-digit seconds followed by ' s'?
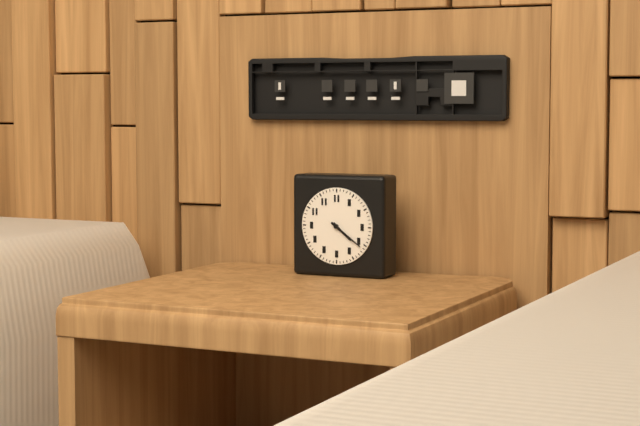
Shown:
4 h 21 min
